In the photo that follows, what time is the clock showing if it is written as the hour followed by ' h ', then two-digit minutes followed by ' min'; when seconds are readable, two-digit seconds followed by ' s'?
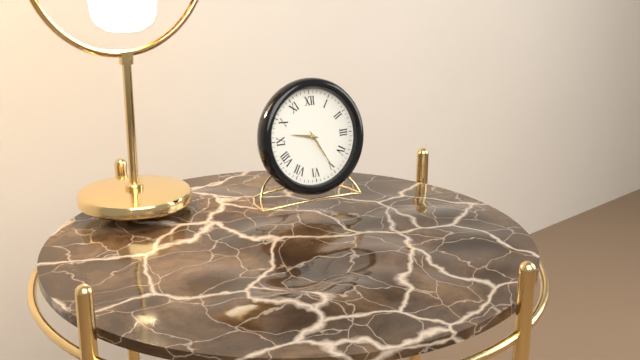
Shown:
9 h 25 min
